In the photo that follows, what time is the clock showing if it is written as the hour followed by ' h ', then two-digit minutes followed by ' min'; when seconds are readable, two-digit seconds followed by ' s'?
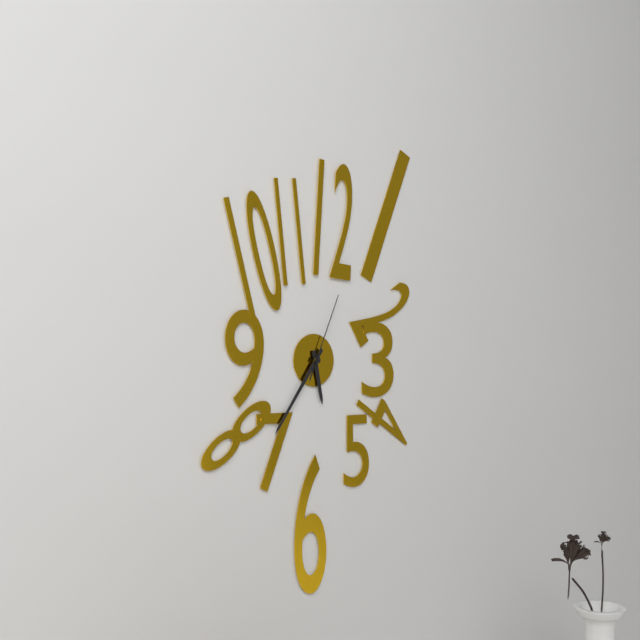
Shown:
5 h 36 min 04 s
